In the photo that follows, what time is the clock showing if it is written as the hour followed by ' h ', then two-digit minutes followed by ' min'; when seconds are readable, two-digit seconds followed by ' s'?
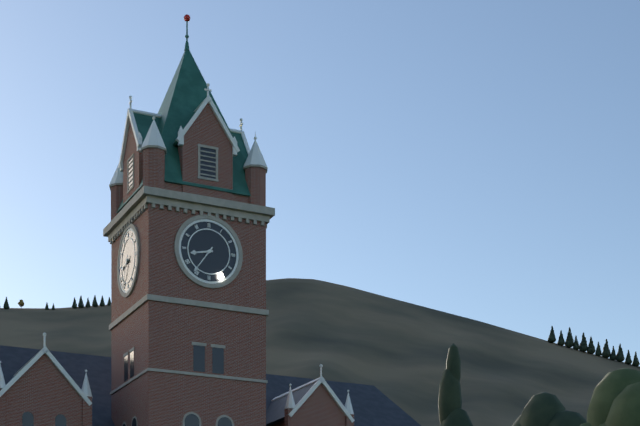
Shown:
8 h 36 min
